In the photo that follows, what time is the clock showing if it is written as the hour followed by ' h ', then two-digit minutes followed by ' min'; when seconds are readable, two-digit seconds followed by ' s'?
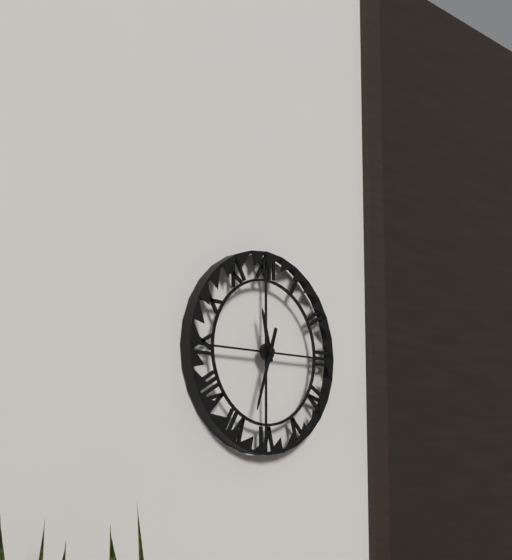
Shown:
11 h 33 min
